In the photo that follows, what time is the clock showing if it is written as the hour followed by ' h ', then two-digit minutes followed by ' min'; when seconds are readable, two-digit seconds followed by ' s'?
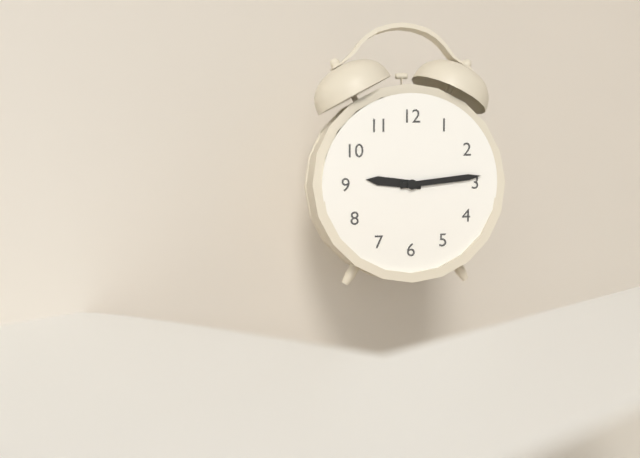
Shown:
9 h 14 min
